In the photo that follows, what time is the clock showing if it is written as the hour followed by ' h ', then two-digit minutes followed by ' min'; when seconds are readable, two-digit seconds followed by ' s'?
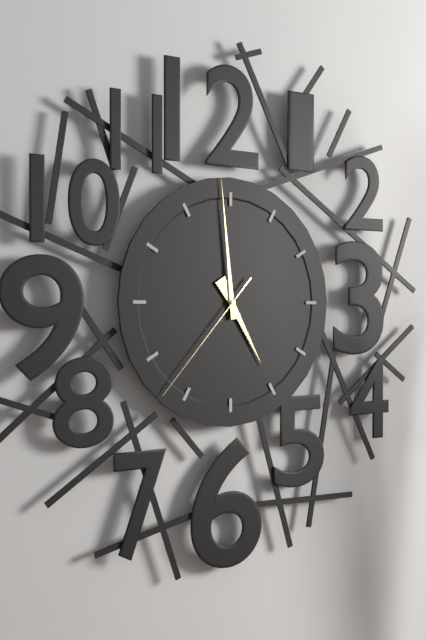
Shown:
4 h 59 min 37 s
